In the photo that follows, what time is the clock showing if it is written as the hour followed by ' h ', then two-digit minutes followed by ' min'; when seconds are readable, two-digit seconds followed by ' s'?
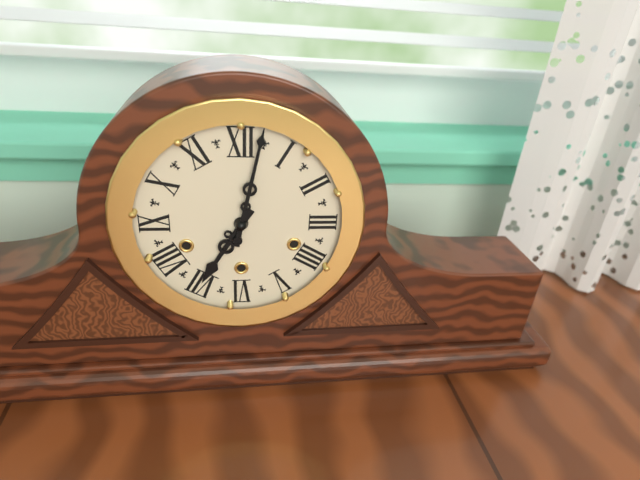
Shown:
7 h 02 min
